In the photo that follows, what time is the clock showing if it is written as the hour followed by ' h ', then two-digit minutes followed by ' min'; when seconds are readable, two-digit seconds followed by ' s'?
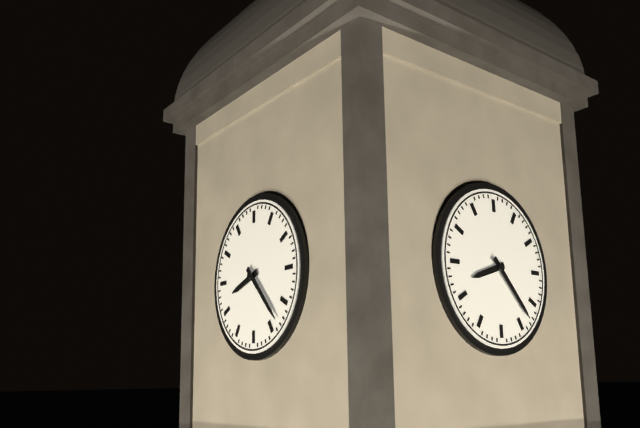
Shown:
8 h 23 min
